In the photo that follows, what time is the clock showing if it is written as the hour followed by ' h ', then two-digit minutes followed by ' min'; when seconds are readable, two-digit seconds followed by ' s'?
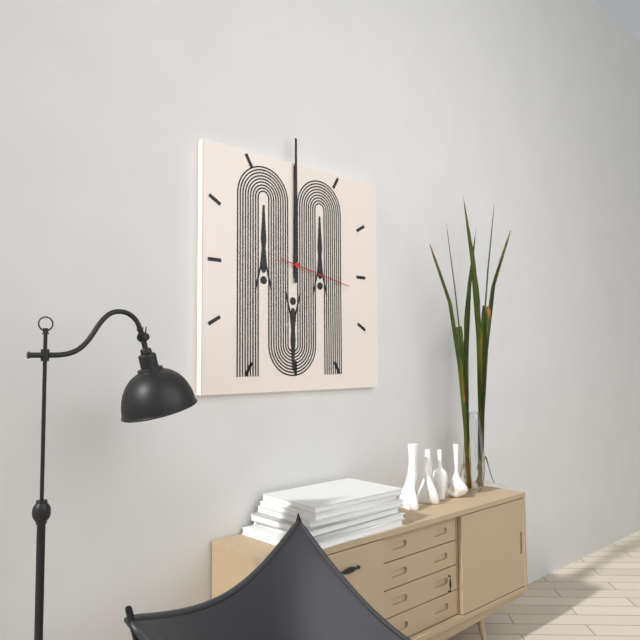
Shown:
12 h 00 min 17 s
